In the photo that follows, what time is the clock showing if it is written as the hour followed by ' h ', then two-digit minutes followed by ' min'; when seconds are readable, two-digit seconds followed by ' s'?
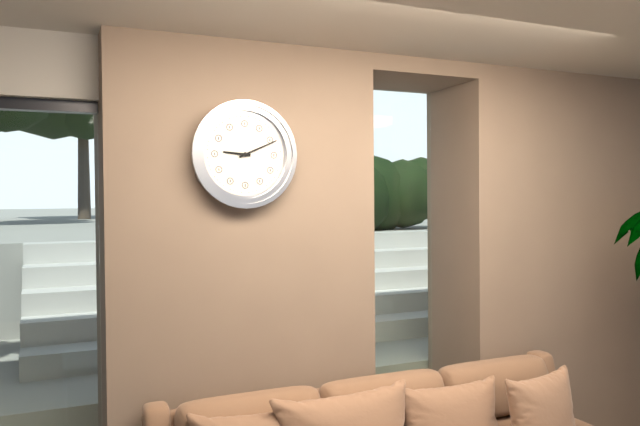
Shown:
9 h 11 min
